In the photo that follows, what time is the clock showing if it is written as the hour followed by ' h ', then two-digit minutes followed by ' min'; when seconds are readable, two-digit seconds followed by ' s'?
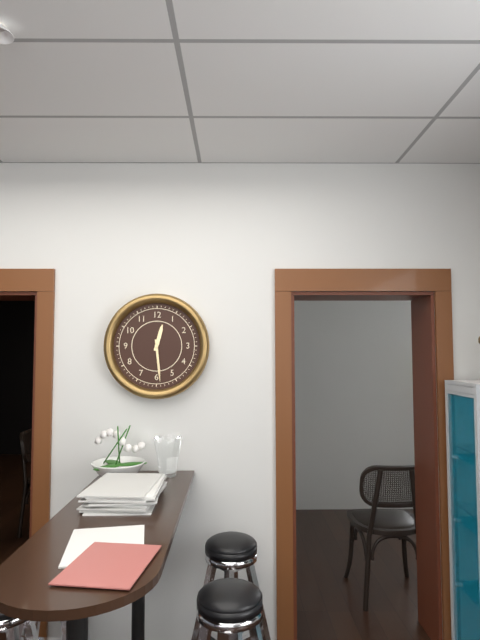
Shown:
12 h 29 min
